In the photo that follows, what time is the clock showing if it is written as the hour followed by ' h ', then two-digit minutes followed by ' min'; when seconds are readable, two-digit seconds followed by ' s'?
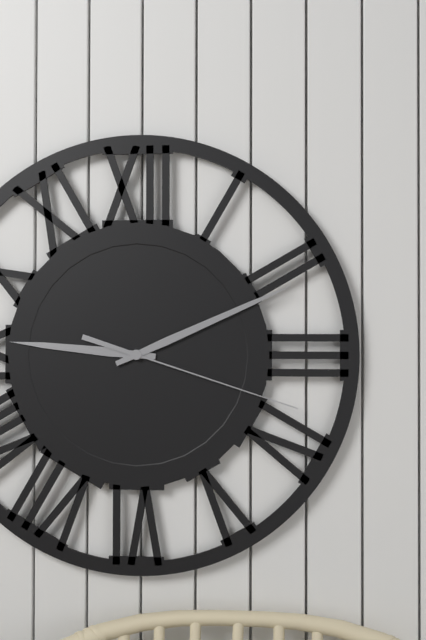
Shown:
9 h 11 min 18 s
